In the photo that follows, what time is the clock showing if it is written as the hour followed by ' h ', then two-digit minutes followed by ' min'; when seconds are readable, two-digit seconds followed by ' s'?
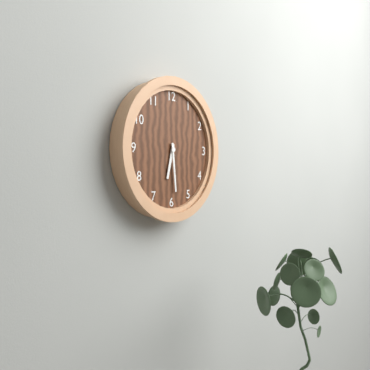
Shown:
6 h 29 min
